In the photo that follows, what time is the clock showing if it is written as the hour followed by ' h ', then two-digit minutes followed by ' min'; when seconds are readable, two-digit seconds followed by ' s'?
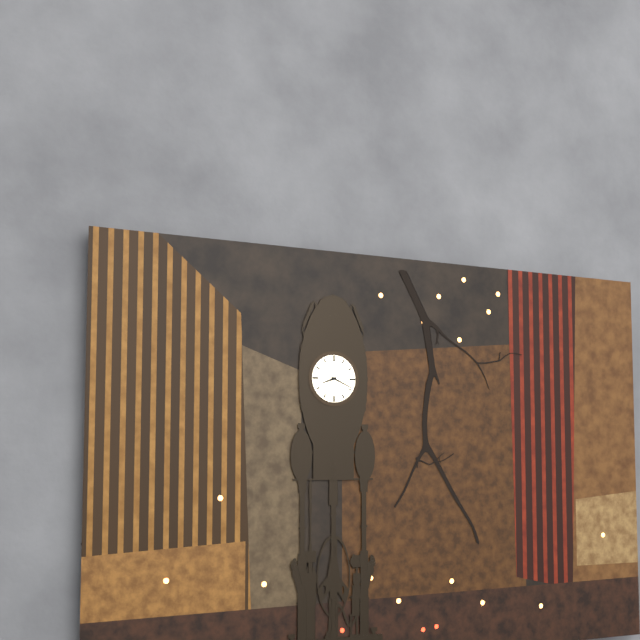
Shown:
8 h 19 min
